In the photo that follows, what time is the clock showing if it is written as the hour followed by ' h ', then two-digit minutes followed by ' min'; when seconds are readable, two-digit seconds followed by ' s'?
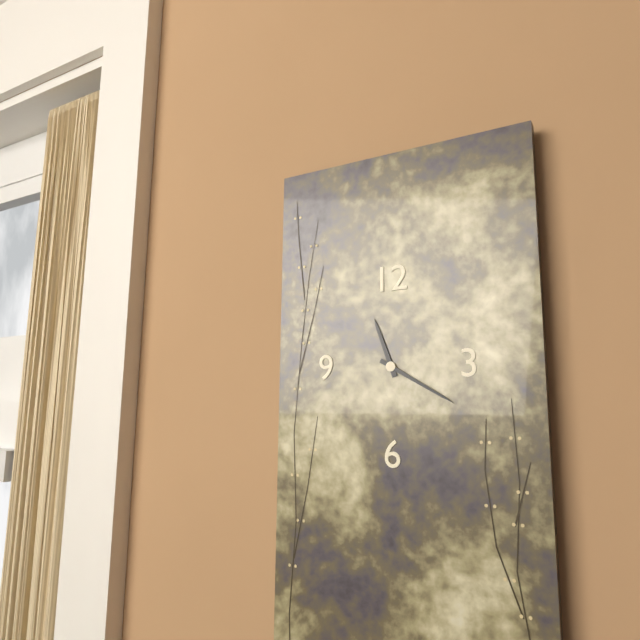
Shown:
11 h 20 min
